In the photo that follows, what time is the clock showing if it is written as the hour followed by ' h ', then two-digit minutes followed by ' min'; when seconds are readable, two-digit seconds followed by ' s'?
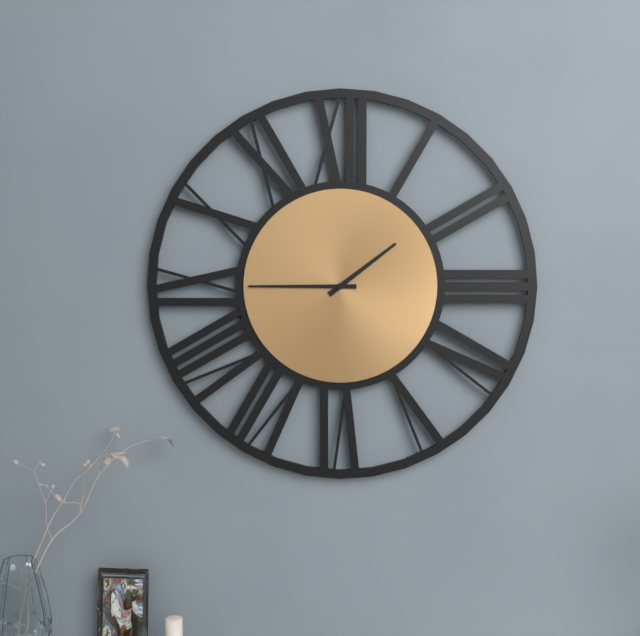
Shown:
1 h 45 min
